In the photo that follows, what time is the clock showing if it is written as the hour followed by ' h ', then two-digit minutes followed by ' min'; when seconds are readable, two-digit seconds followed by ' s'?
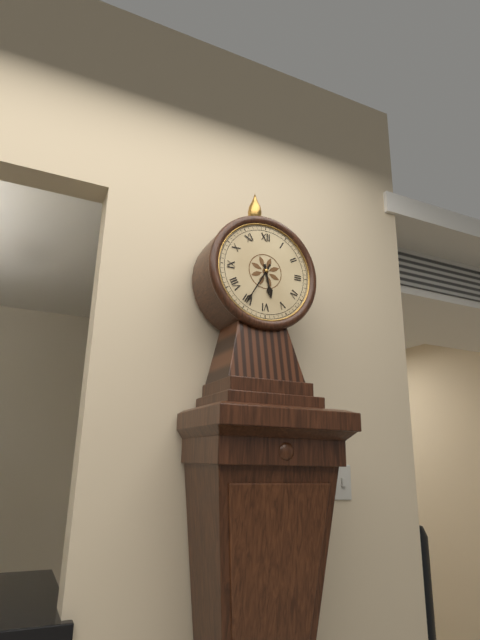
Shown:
5 h 35 min
